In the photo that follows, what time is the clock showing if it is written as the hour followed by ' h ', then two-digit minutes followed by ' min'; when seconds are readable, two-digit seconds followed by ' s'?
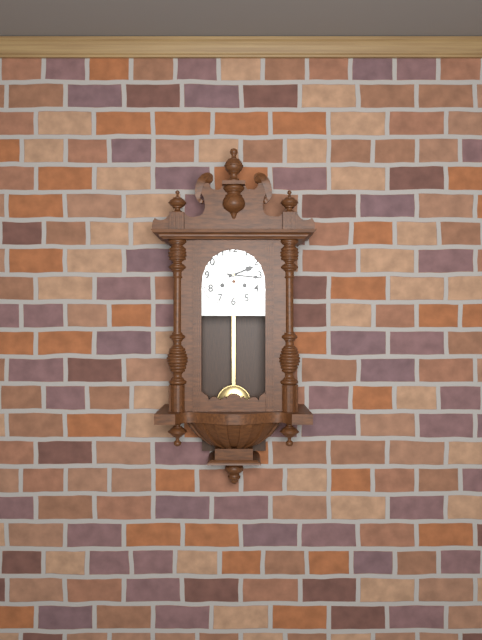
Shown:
2 h 16 min
